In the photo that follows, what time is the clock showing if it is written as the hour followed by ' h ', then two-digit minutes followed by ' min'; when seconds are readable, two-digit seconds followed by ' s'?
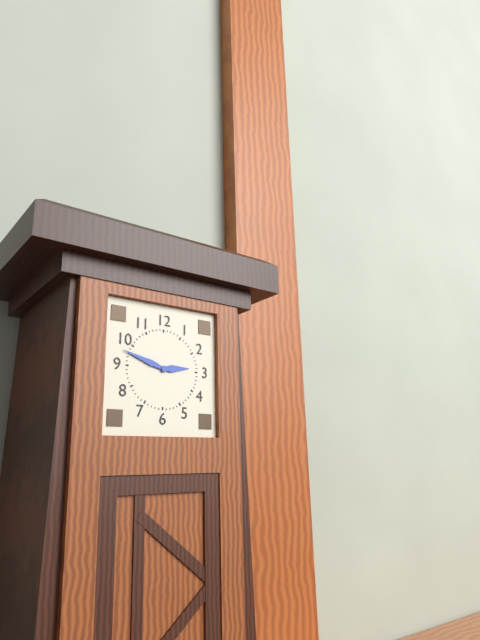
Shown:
2 h 48 min
